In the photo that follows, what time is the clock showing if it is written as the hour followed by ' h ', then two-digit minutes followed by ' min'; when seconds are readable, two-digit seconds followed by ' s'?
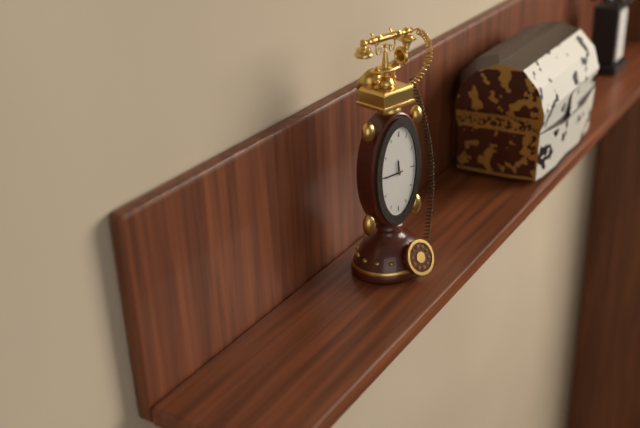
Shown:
11 h 45 min
